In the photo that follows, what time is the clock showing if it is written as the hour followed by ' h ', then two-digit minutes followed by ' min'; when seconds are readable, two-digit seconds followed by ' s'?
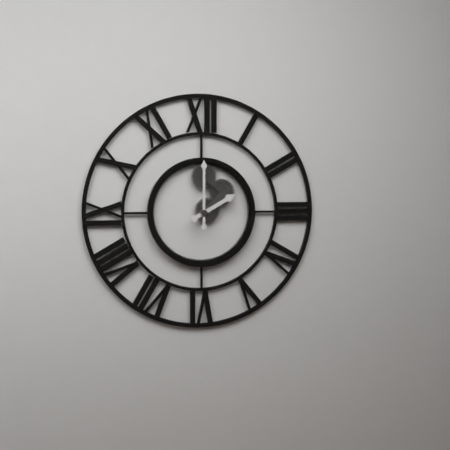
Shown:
2 h 00 min
